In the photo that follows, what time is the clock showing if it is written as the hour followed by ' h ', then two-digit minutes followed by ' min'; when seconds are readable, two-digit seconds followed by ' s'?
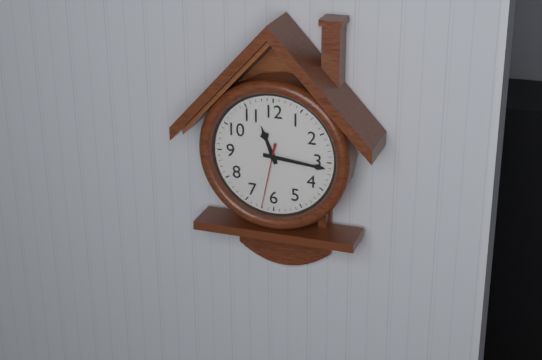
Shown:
11 h 16 min 32 s
